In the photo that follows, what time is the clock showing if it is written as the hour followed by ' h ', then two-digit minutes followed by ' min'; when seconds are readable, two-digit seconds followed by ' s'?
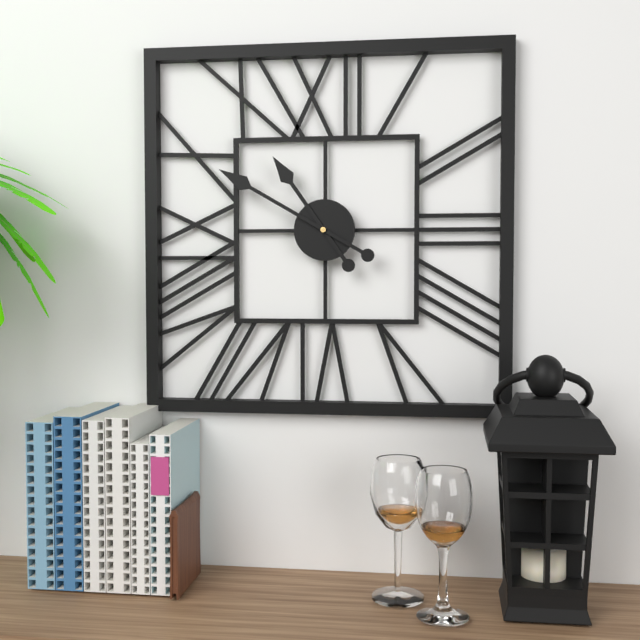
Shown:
10 h 50 min
